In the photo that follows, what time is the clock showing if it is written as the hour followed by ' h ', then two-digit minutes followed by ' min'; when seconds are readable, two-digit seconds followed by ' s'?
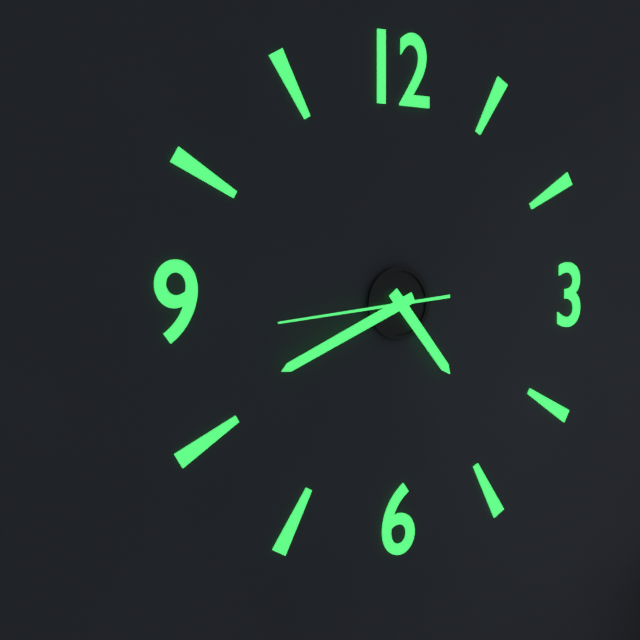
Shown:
4 h 41 min 44 s
